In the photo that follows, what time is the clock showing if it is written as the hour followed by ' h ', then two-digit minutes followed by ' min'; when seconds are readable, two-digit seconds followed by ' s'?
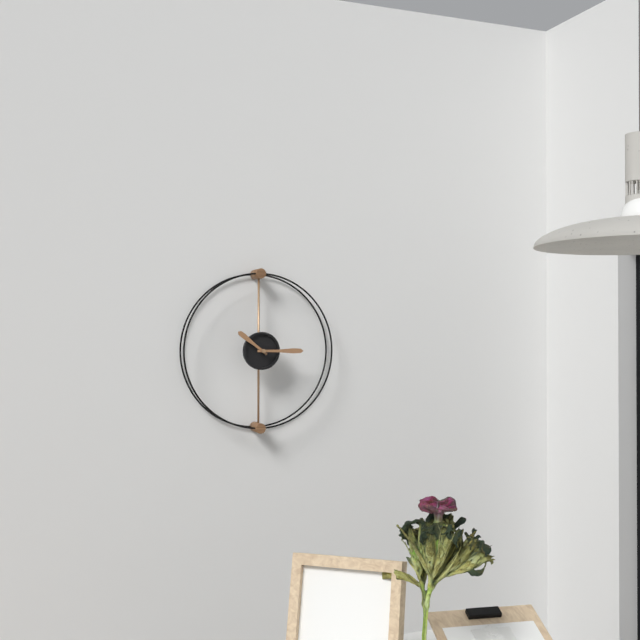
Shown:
10 h 15 min
